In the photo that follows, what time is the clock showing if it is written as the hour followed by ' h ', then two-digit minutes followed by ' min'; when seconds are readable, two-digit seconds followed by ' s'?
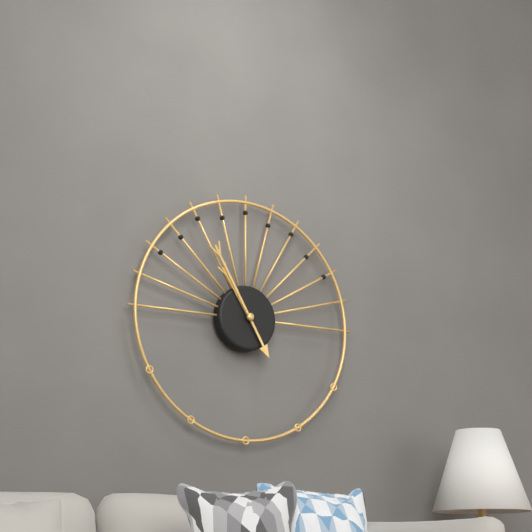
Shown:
10 h 55 min
